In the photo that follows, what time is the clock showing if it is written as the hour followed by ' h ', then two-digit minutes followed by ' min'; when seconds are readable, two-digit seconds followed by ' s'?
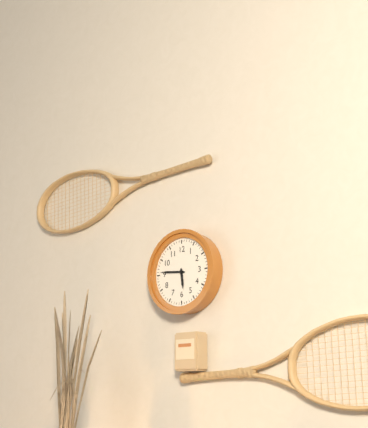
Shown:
5 h 46 min
